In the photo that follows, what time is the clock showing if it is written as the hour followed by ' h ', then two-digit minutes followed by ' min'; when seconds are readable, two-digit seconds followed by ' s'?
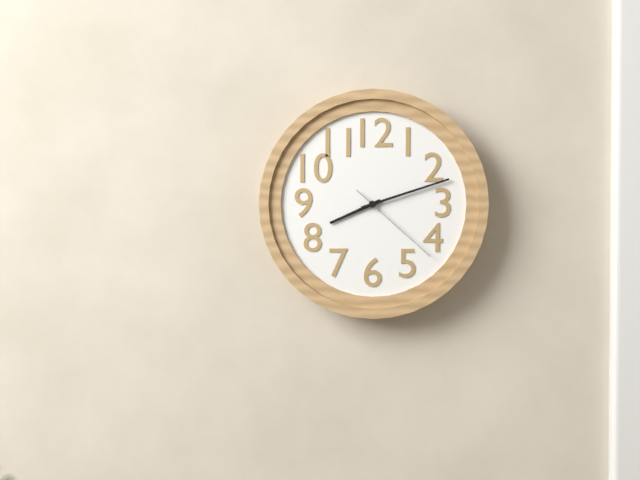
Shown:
8 h 12 min 22 s
